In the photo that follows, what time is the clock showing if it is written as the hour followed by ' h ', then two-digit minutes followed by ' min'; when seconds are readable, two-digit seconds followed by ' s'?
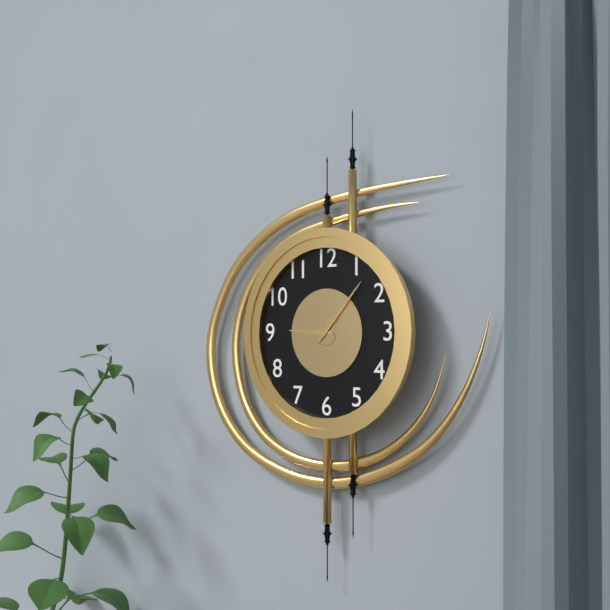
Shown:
9 h 07 min
